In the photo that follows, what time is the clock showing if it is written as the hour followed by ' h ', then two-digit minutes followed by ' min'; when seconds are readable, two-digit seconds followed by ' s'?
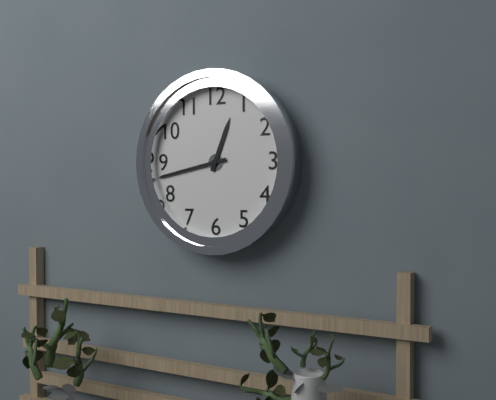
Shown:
12 h 43 min
